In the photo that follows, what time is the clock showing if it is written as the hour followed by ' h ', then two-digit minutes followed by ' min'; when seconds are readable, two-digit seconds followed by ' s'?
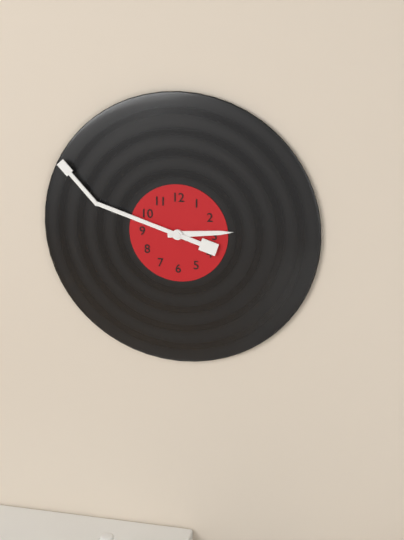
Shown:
2 h 48 min
